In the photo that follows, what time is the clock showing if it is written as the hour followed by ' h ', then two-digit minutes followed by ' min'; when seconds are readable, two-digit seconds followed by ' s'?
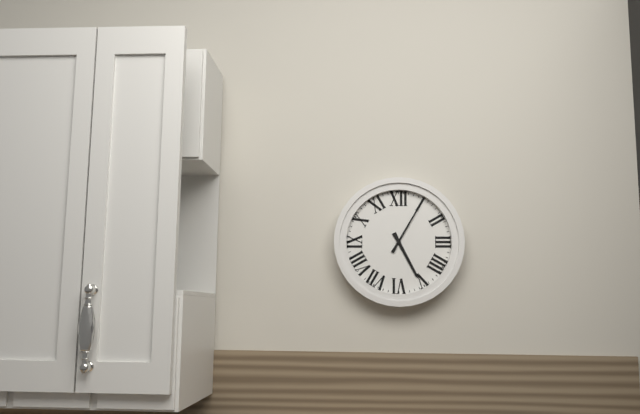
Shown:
5 h 05 min
